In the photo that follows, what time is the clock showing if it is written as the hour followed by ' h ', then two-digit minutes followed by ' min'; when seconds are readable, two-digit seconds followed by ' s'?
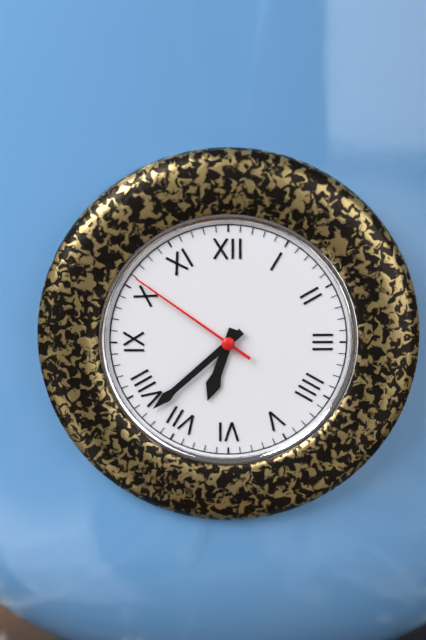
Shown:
6 h 38 min 51 s
